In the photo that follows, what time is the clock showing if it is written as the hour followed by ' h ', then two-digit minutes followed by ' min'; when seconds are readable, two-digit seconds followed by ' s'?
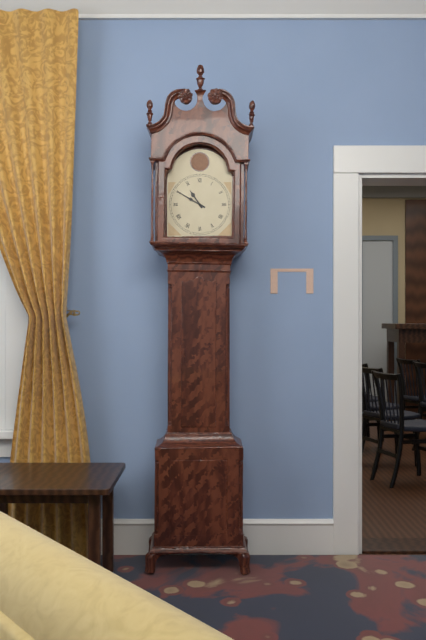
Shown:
10 h 50 min
